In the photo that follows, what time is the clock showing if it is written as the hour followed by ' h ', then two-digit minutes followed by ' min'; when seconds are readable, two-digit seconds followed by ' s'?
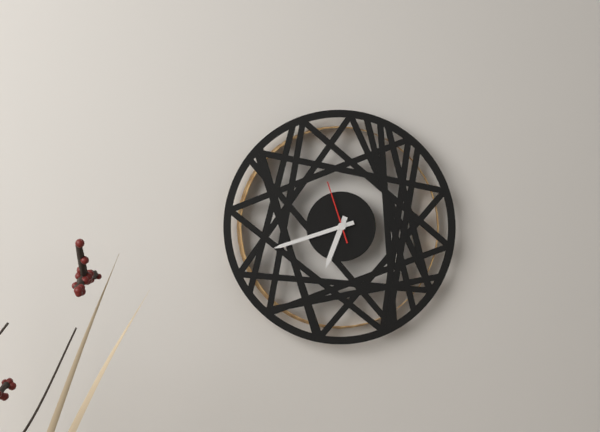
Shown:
6 h 42 min 57 s
